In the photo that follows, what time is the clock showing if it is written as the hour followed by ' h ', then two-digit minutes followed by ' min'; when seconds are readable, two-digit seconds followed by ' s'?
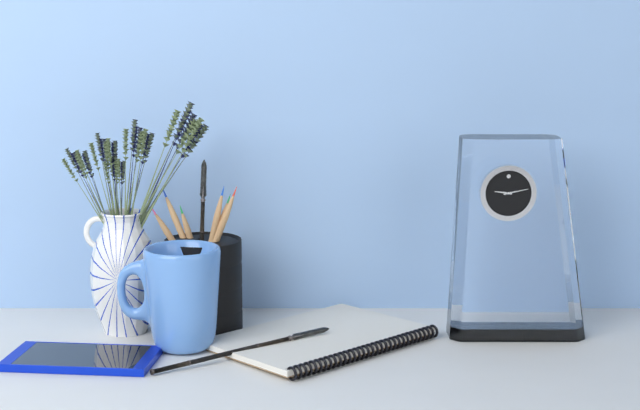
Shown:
9 h 13 min
